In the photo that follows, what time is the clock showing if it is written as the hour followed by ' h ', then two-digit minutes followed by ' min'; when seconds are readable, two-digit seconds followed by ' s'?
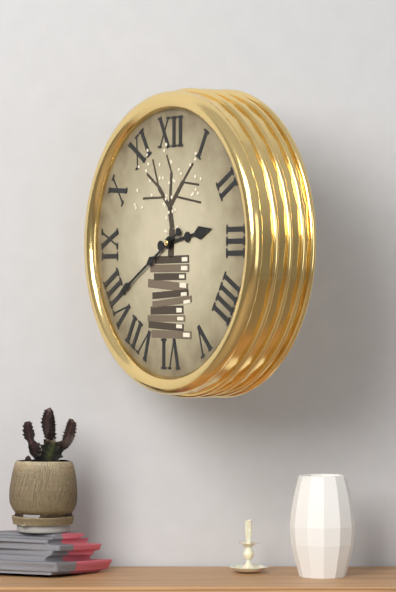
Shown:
2 h 40 min
